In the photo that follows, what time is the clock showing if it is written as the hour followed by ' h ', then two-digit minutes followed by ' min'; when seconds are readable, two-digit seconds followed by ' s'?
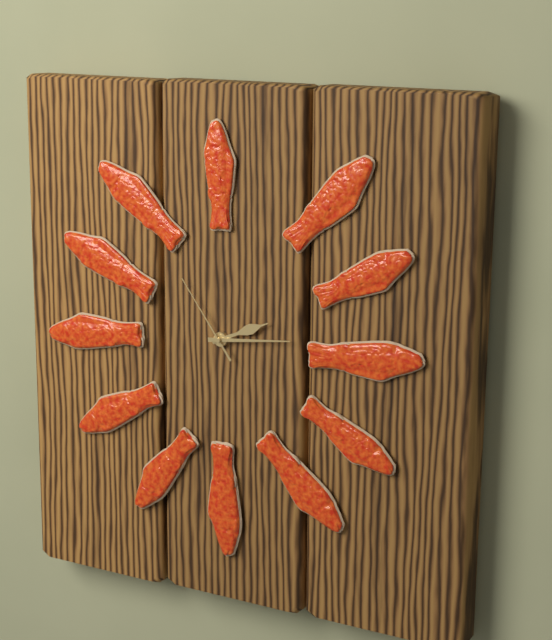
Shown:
2 h 14 min 54 s
